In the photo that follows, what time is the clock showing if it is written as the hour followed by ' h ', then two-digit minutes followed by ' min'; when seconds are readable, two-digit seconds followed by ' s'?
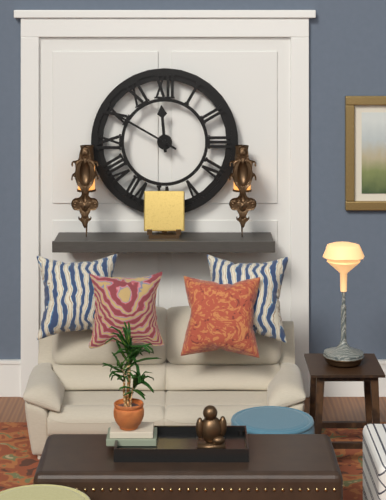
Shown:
11 h 50 min
